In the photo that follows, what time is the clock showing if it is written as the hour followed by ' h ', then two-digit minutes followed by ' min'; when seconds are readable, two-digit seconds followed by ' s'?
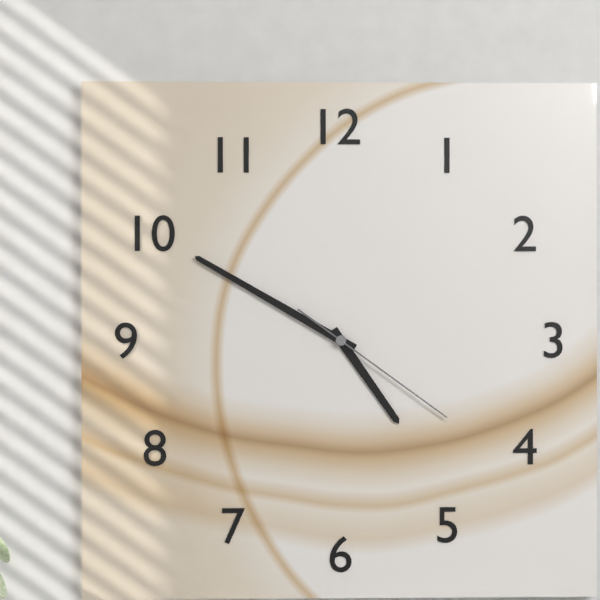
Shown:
4 h 50 min 21 s
